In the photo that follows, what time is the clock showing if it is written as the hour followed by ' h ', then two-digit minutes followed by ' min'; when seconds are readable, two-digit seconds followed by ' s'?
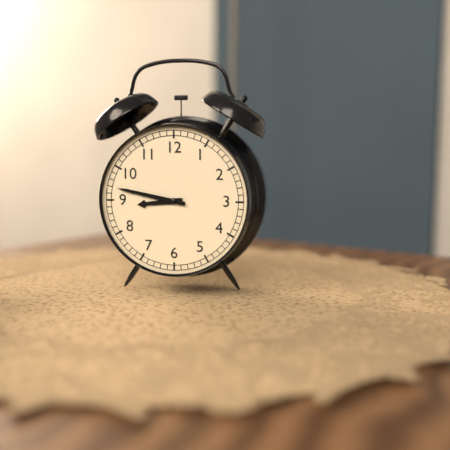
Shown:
8 h 47 min
